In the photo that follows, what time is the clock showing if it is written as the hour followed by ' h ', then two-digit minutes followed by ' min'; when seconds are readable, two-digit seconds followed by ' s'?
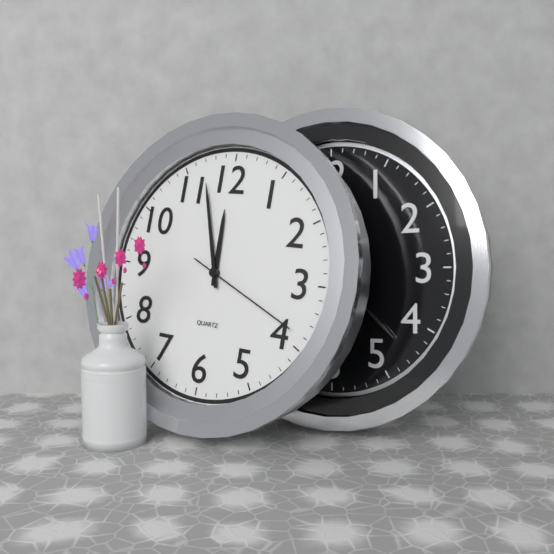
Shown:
11 h 57 min 19 s
